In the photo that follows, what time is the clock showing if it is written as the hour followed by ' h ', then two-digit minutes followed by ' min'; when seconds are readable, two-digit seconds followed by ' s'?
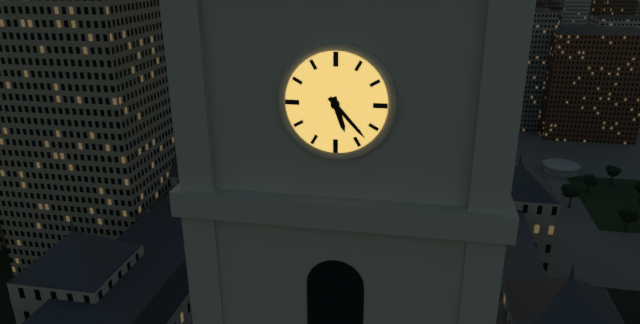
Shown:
5 h 23 min
